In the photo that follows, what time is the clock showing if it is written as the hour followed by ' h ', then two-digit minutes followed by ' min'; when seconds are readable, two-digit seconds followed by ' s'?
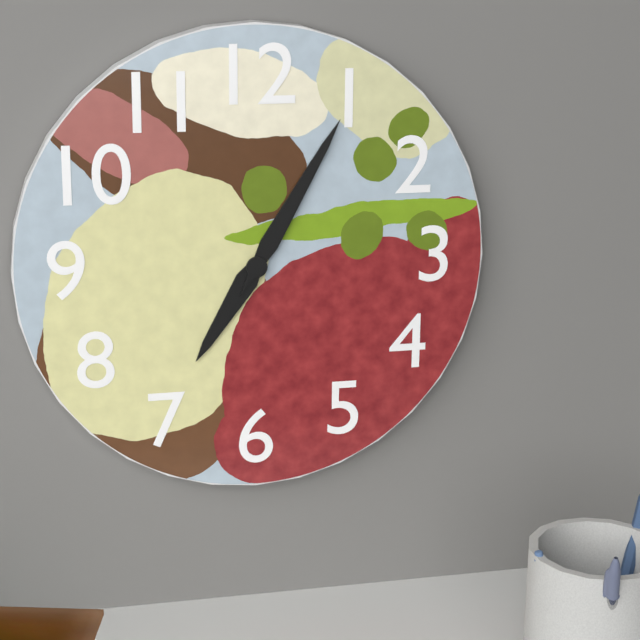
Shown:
7 h 05 min
